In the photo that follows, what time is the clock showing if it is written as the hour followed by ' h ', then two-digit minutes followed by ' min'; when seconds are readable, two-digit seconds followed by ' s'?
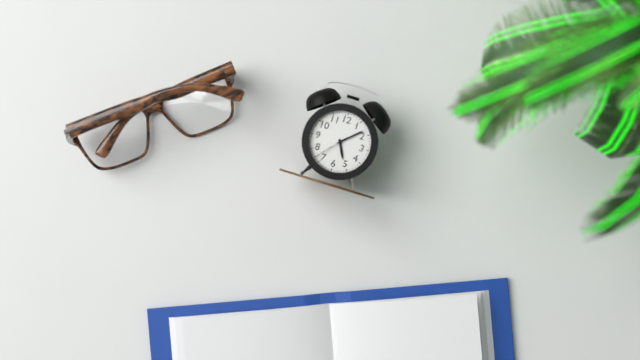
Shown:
5 h 08 min
